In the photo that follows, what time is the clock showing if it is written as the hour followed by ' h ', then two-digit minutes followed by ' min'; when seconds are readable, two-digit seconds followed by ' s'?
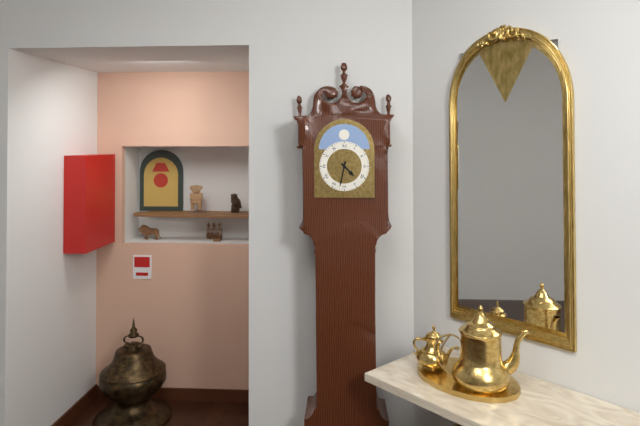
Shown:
4 h 32 min
